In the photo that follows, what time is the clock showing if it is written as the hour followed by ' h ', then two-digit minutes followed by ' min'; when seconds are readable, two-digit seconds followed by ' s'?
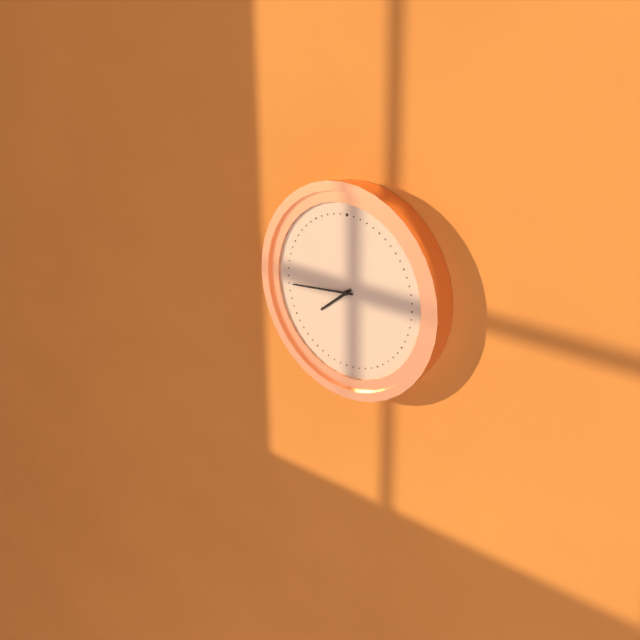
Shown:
7 h 44 min
